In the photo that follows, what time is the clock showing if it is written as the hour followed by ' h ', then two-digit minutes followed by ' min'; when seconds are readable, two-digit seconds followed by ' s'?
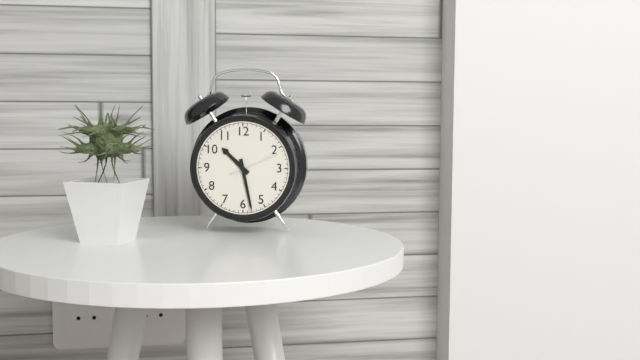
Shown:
10 h 28 min
